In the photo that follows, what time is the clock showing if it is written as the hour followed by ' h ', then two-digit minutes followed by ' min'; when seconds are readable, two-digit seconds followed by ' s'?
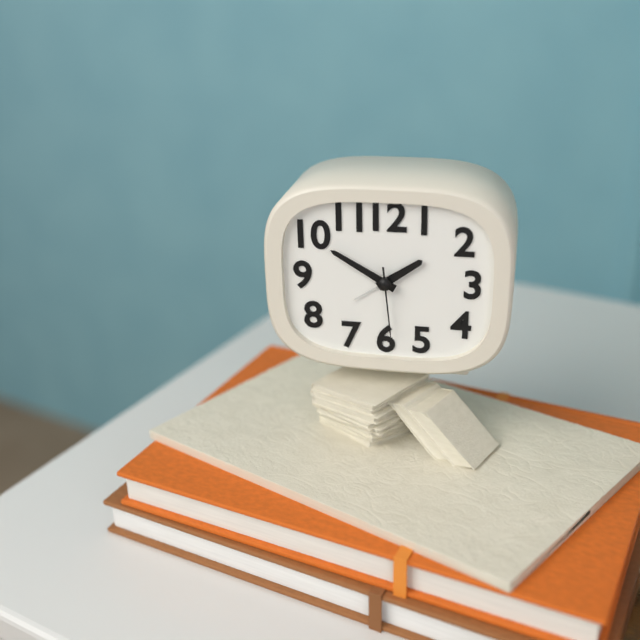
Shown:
1 h 50 min 29 s
